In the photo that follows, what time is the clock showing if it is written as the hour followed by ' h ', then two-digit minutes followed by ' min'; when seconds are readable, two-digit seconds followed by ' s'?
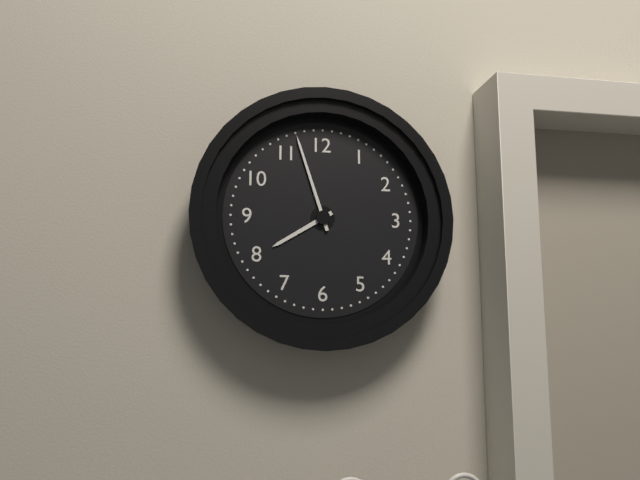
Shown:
7 h 57 min
